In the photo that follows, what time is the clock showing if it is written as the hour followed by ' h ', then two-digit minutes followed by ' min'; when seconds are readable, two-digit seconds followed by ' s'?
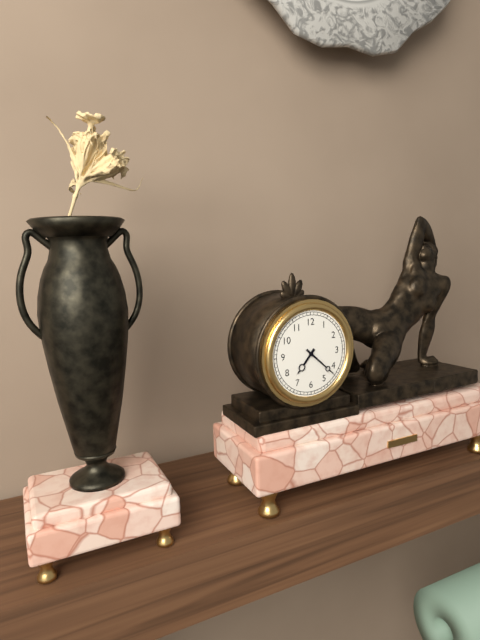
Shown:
7 h 22 min
